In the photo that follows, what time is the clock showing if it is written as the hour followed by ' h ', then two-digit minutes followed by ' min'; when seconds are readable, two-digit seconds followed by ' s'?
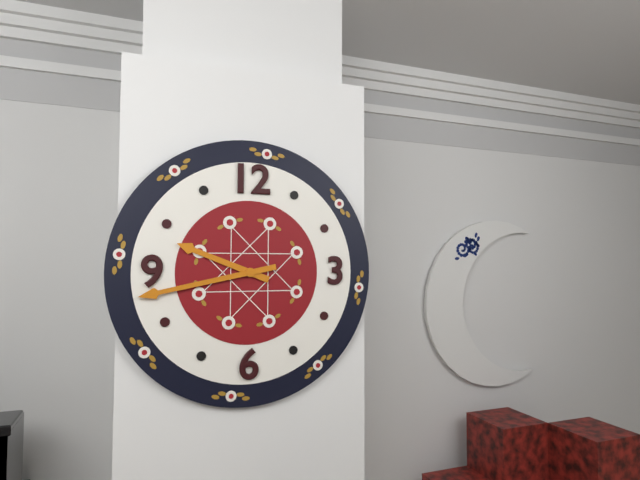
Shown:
9 h 43 min
